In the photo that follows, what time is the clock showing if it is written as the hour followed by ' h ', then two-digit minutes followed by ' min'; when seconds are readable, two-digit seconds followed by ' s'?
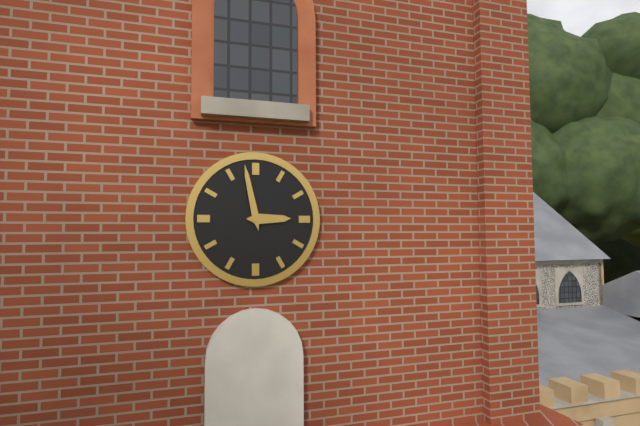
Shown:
2 h 58 min
